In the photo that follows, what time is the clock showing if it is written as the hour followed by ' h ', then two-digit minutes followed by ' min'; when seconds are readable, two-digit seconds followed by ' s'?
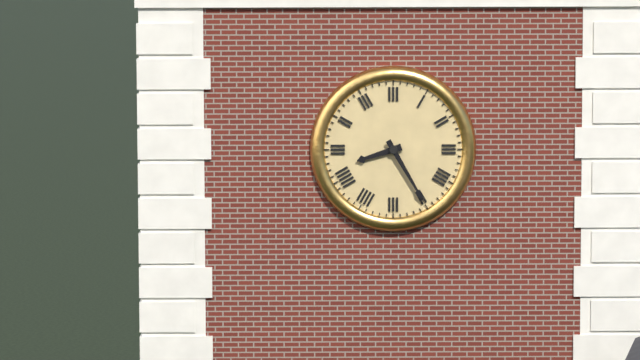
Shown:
8 h 25 min
